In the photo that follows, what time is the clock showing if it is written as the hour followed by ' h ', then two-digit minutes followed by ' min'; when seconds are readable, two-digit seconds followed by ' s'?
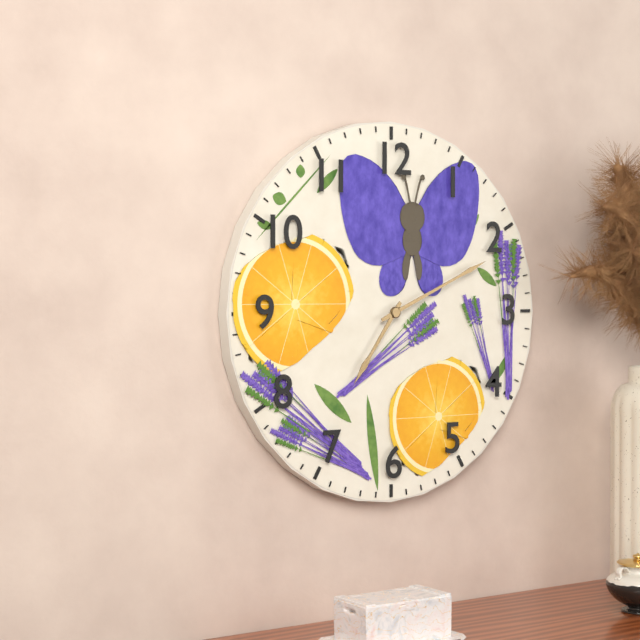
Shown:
7 h 11 min
